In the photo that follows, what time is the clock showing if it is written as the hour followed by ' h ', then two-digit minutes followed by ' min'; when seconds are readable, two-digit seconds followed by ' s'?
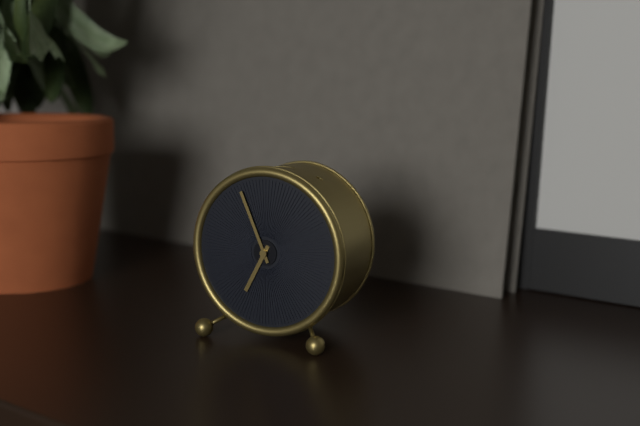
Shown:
6 h 56 min
